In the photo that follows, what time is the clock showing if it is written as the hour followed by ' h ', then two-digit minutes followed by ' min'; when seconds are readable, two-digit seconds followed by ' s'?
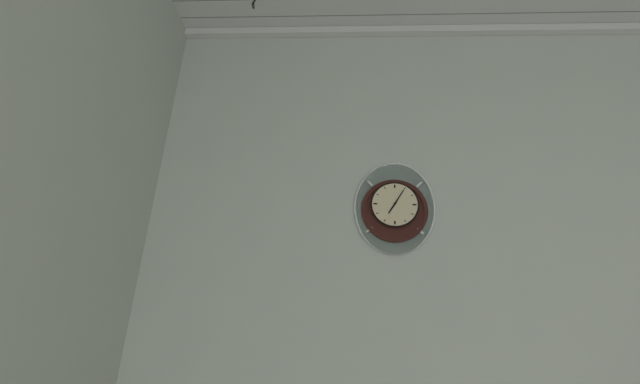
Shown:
7 h 05 min
